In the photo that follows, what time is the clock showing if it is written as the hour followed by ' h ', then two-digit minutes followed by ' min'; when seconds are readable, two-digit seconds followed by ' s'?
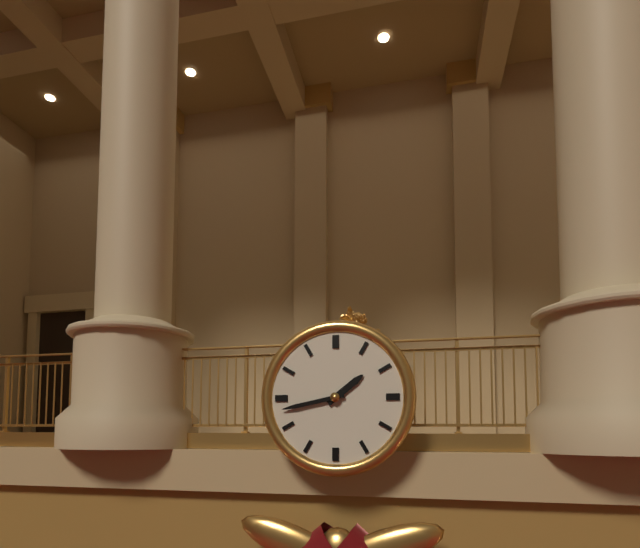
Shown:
1 h 43 min
